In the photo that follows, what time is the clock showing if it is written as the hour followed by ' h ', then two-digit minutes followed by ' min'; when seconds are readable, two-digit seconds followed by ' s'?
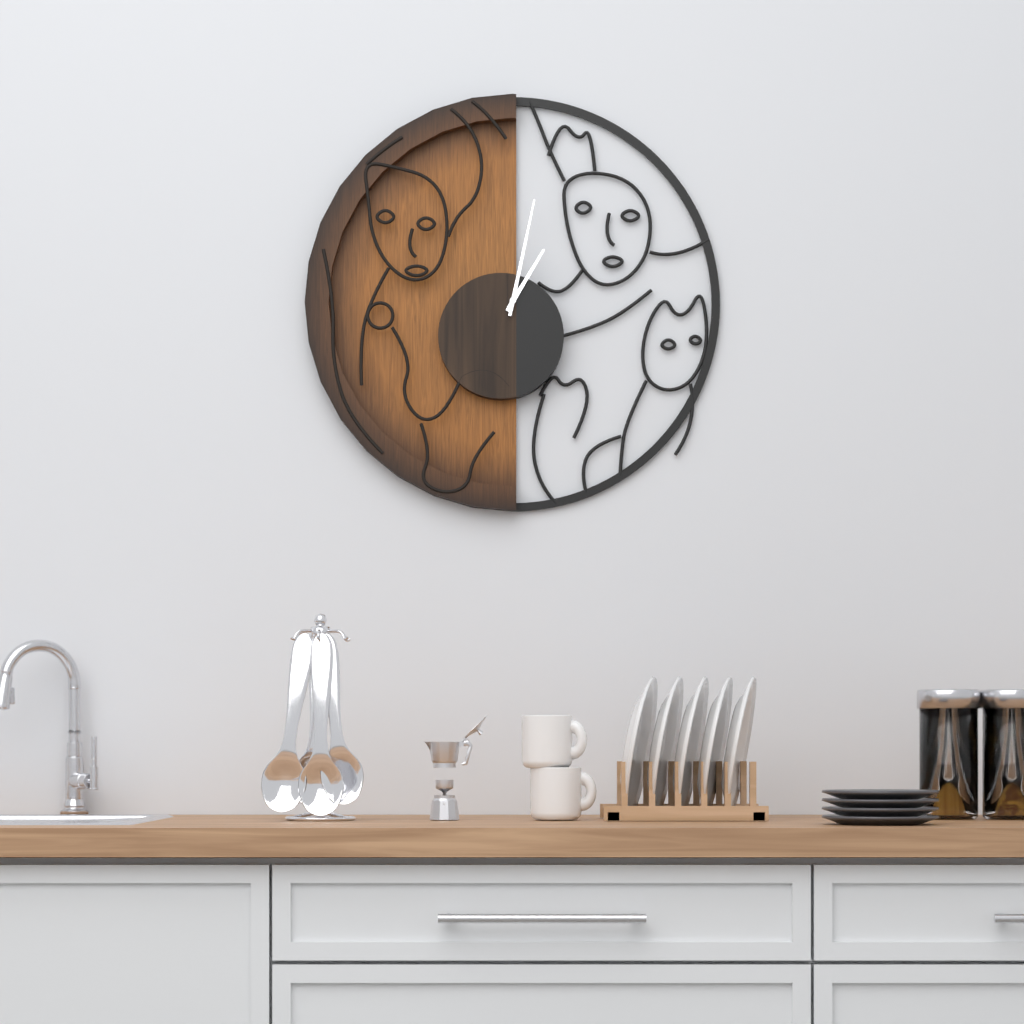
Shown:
1 h 02 min
